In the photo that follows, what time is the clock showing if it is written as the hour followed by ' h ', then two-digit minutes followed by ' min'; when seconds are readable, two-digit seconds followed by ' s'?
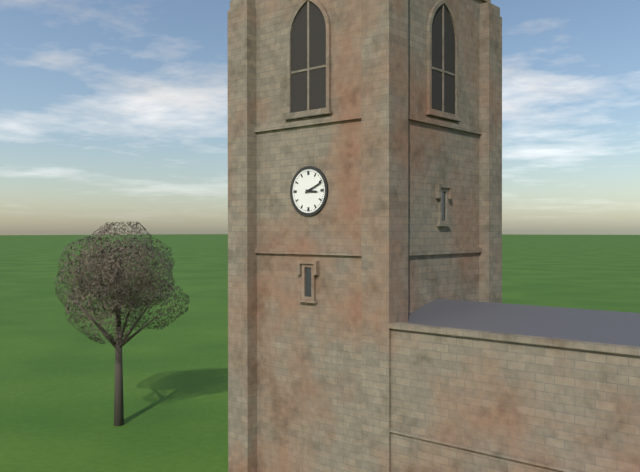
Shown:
3 h 11 min
